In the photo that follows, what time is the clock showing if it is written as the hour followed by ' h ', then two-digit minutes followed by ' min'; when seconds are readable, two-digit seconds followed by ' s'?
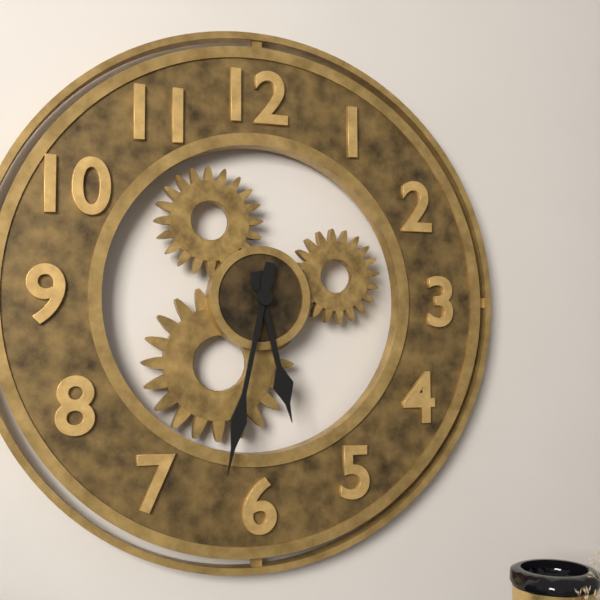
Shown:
5 h 32 min
